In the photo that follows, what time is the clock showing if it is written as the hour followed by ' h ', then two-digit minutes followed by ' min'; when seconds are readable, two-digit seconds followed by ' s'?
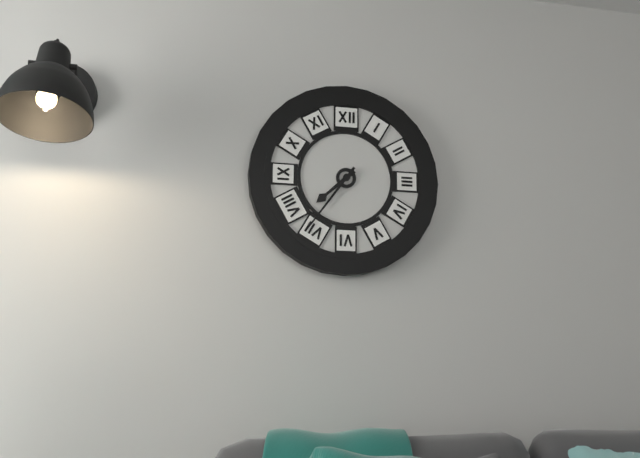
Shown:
7 h 36 min
